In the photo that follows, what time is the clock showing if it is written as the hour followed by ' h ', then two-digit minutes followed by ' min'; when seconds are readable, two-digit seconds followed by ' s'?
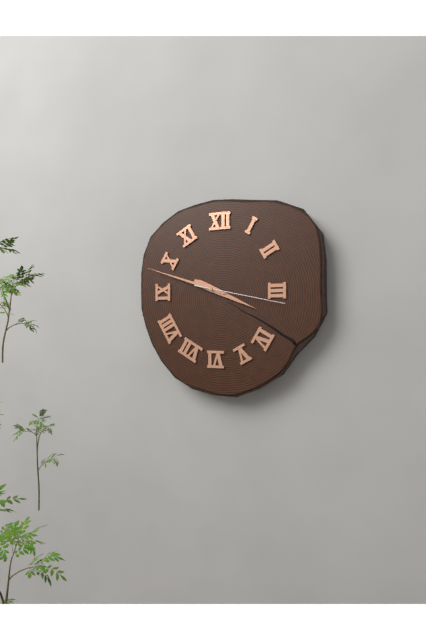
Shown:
3 h 48 min 17 s
